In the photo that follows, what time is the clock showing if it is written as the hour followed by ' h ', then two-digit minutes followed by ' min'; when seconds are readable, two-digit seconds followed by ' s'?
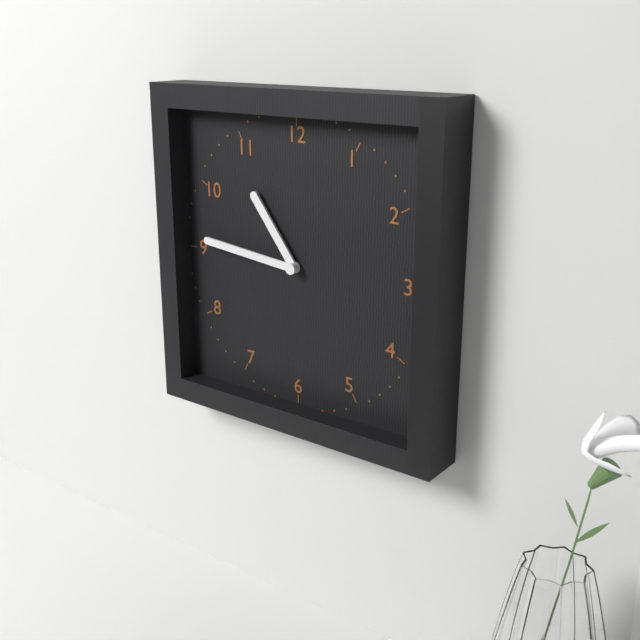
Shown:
10 h 46 min
